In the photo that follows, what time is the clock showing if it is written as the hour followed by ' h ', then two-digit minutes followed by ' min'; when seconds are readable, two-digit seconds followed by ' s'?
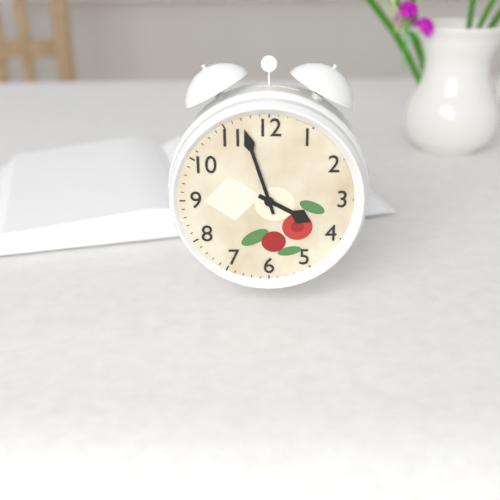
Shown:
3 h 57 min
